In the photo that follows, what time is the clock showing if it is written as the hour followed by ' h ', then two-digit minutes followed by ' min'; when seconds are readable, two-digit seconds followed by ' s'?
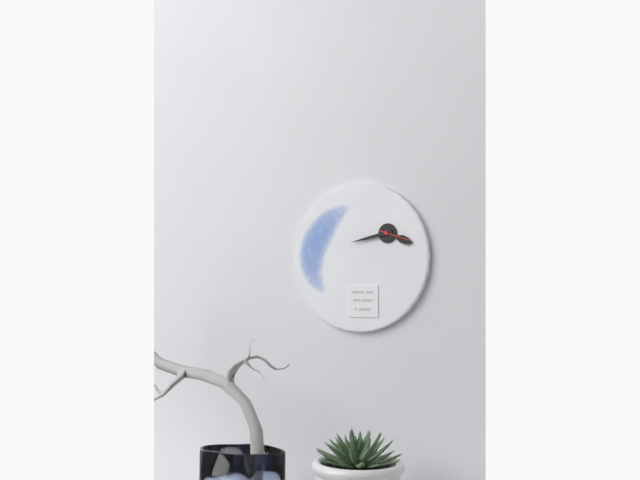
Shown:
3 h 43 min
